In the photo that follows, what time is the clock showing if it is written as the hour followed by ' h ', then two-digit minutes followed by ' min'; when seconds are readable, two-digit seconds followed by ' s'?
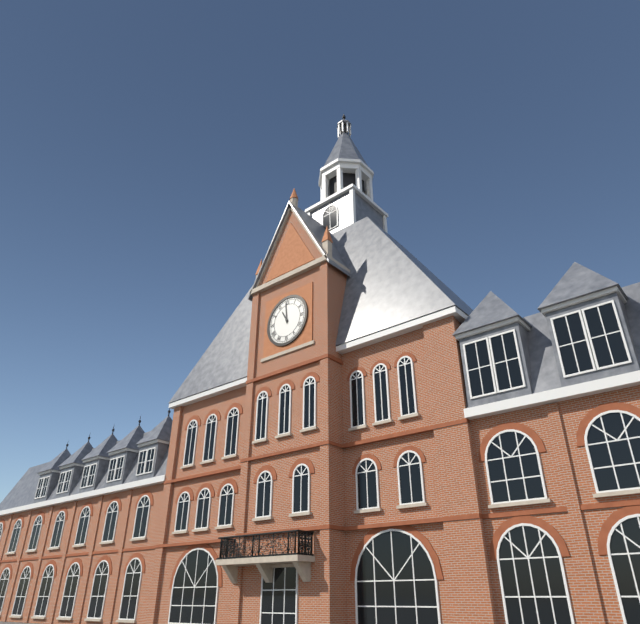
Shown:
10 h 59 min
